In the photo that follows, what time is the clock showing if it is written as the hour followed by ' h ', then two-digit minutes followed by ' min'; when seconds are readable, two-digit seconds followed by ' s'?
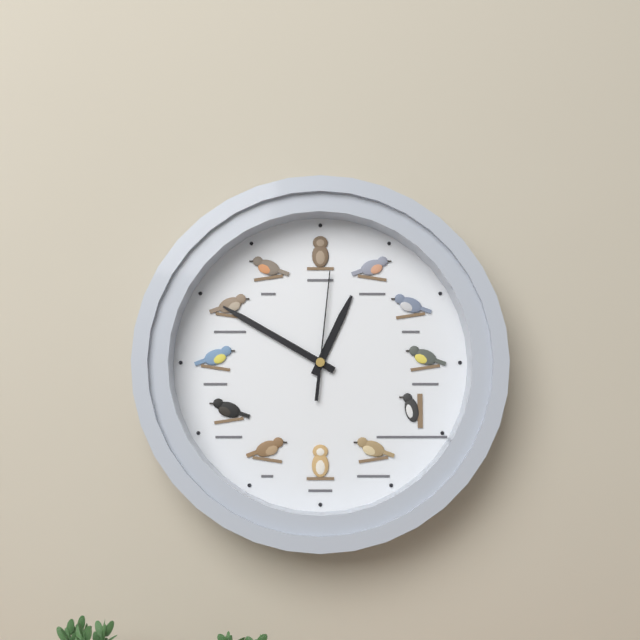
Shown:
12 h 50 min 01 s
